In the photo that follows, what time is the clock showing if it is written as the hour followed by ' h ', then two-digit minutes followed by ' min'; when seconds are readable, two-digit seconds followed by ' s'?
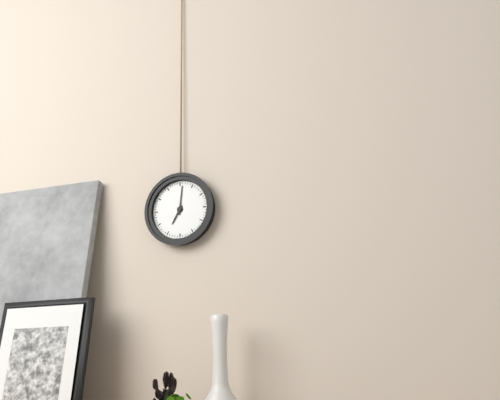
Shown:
7 h 01 min
